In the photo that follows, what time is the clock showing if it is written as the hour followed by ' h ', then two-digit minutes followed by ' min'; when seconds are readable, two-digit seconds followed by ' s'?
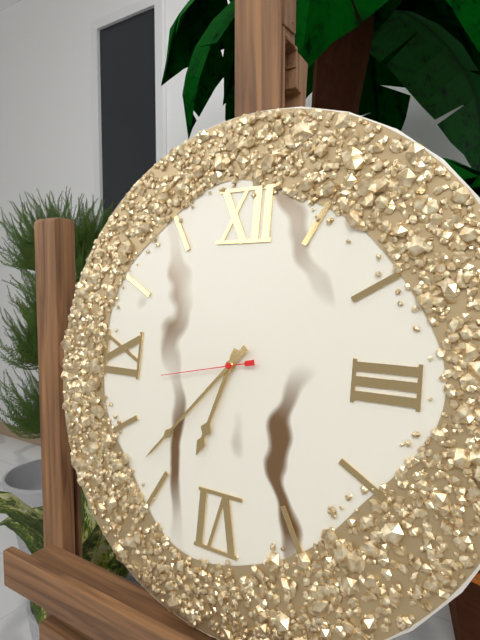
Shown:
6 h 37 min 43 s
